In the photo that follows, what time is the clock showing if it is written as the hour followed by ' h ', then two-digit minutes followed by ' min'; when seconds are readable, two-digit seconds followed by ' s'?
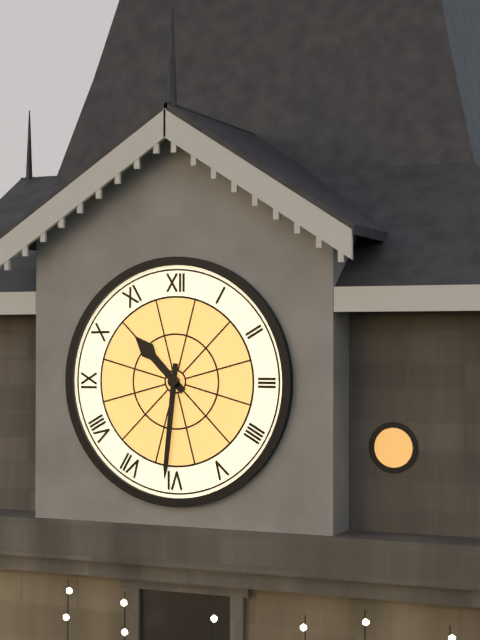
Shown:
10 h 31 min
